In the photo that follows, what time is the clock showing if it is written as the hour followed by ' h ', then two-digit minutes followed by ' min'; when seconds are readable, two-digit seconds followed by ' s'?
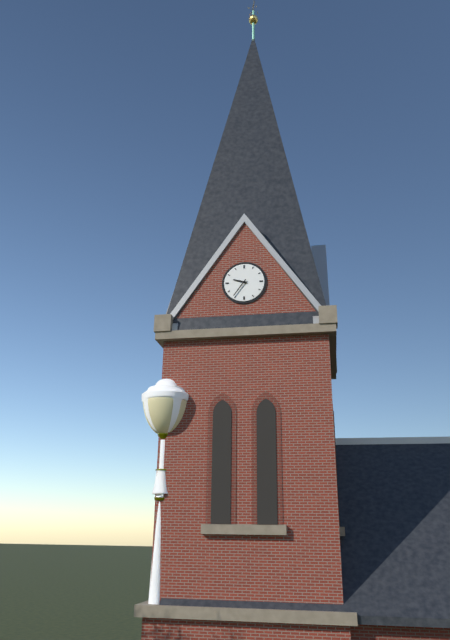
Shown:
9 h 36 min
